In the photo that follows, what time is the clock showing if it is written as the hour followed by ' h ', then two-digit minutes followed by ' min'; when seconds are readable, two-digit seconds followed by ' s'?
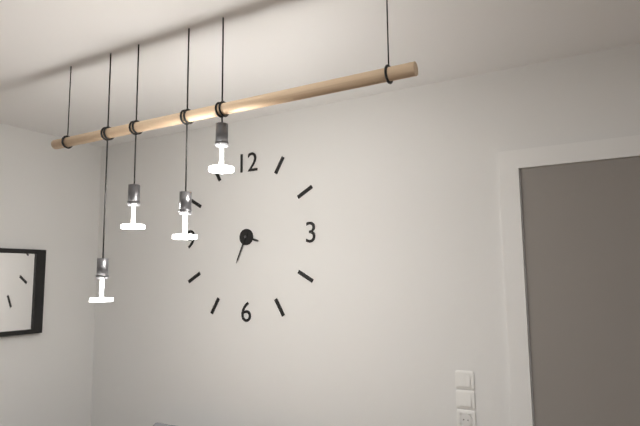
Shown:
3 h 34 min
